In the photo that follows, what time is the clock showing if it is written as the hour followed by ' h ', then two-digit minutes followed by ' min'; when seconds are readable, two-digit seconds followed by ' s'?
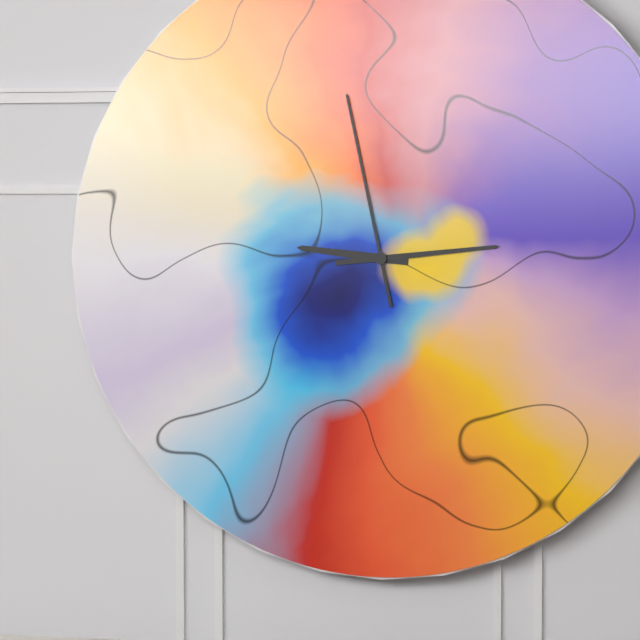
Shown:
9 h 14 min 58 s
